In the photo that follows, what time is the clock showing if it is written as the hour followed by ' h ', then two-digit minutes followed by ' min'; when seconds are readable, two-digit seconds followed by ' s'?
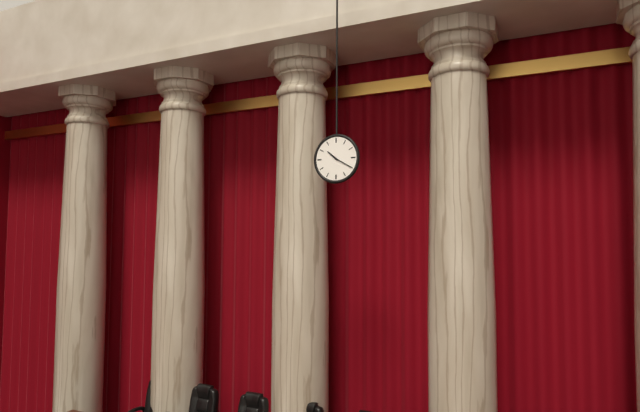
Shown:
10 h 20 min
